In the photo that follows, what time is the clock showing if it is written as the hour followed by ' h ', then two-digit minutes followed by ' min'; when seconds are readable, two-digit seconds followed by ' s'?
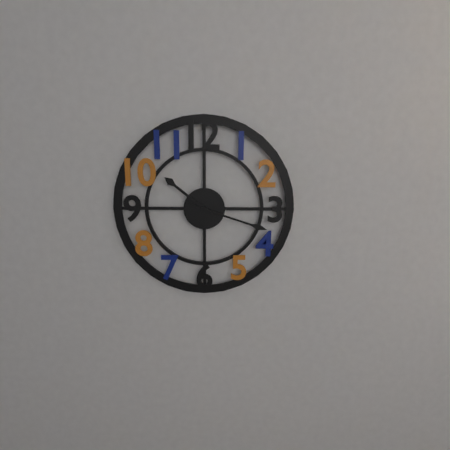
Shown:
10 h 18 min
